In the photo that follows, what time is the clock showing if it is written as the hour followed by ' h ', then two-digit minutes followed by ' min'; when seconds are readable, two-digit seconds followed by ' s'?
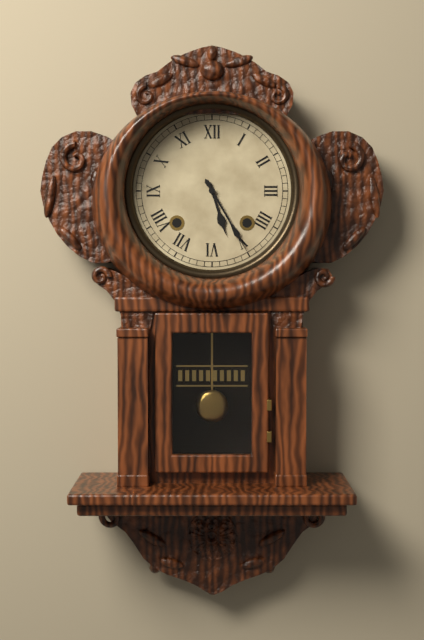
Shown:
5 h 25 min
